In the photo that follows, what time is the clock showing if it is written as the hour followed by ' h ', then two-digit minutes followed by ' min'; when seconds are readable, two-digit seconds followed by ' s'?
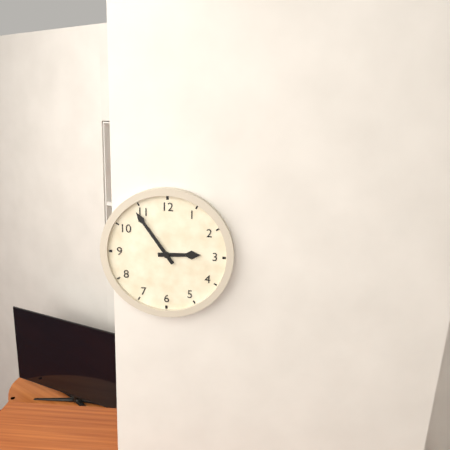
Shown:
2 h 54 min
